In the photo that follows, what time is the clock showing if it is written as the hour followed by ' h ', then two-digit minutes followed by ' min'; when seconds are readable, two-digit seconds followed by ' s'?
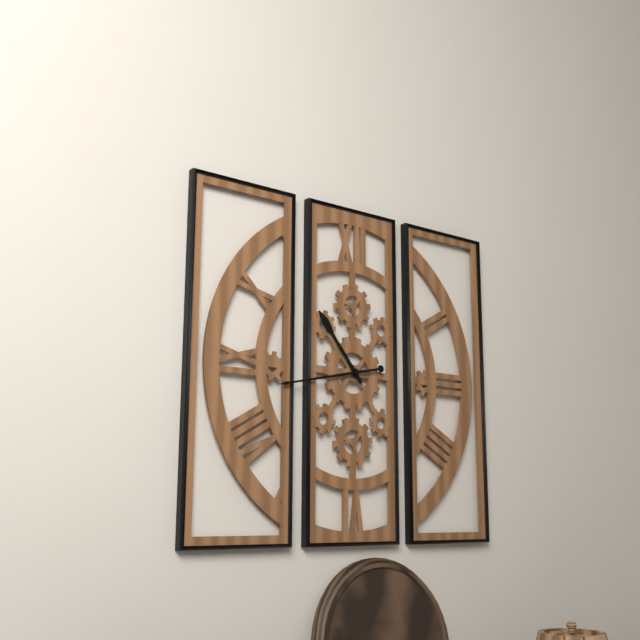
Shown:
10 h 43 min
